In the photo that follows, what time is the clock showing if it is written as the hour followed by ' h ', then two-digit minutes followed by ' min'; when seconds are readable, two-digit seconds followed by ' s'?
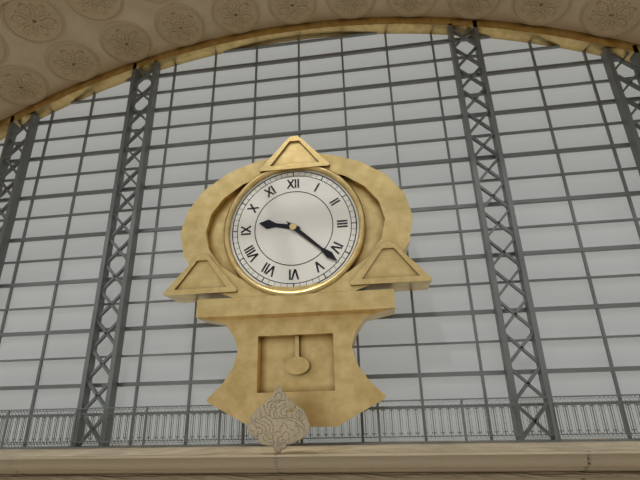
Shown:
9 h 22 min
